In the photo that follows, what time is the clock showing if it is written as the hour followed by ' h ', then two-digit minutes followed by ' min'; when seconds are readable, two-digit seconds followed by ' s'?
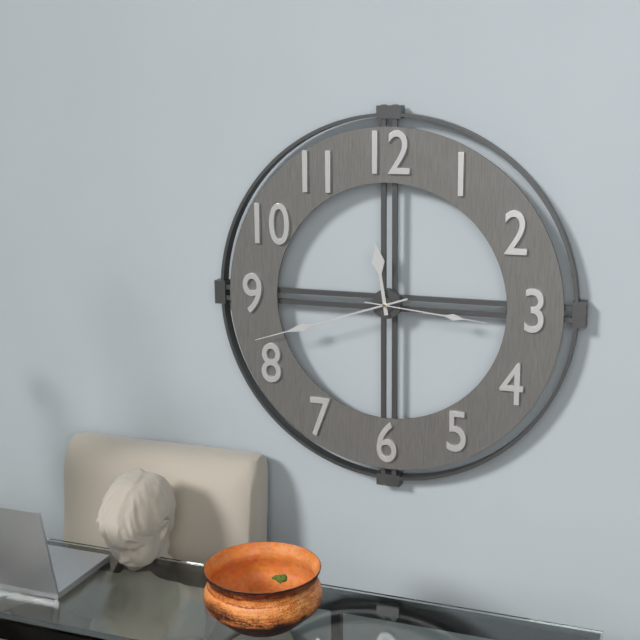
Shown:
11 h 42 min 16 s
